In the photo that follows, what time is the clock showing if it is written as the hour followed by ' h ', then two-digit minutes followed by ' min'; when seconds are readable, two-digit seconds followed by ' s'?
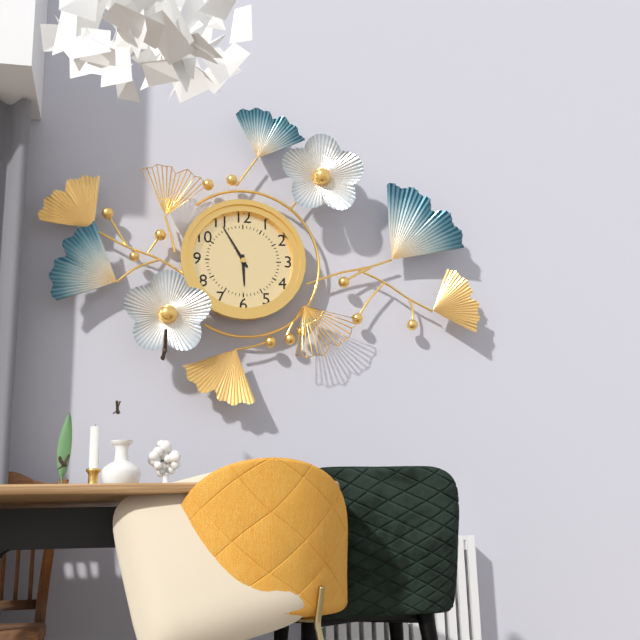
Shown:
5 h 55 min
